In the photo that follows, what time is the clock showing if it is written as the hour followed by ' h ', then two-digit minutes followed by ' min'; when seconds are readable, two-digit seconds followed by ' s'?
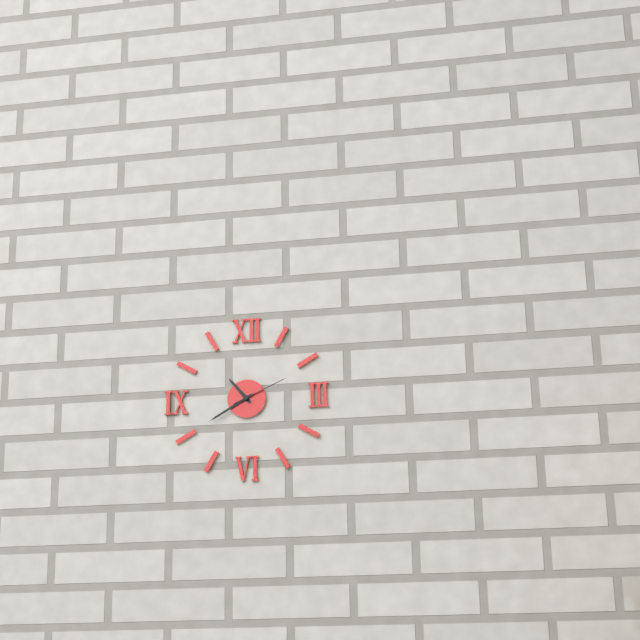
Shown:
10 h 40 min 11 s
